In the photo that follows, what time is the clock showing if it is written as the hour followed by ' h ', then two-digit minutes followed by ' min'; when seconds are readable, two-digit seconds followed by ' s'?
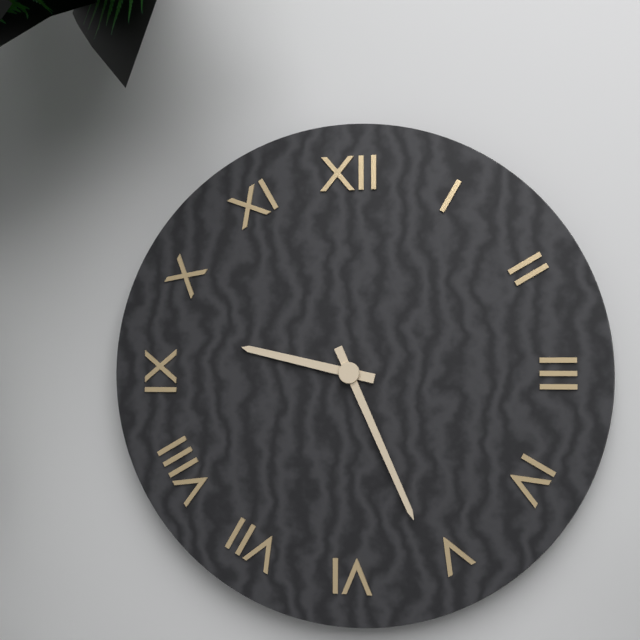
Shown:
9 h 26 min
